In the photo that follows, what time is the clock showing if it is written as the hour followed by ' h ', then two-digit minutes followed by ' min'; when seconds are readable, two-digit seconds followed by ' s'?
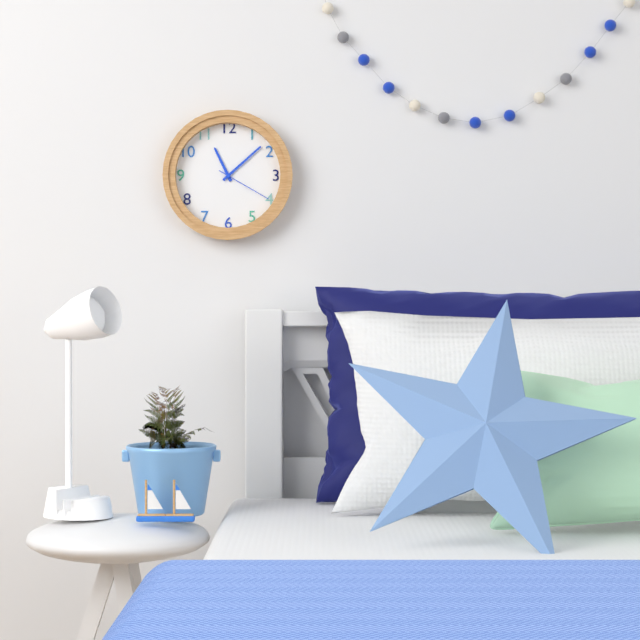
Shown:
11 h 08 min 20 s
